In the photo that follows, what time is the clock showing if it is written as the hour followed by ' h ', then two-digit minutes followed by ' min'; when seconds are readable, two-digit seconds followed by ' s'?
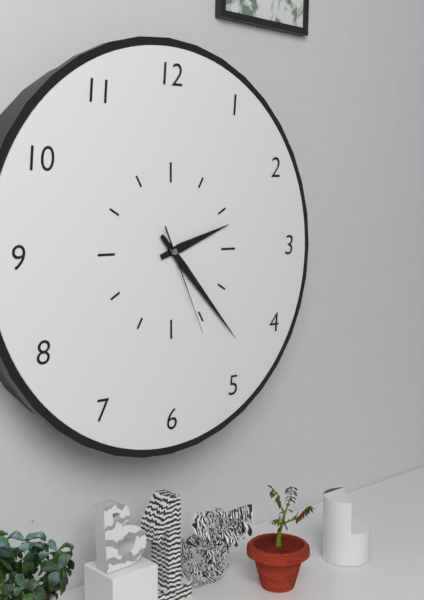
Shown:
2 h 23 min 26 s
